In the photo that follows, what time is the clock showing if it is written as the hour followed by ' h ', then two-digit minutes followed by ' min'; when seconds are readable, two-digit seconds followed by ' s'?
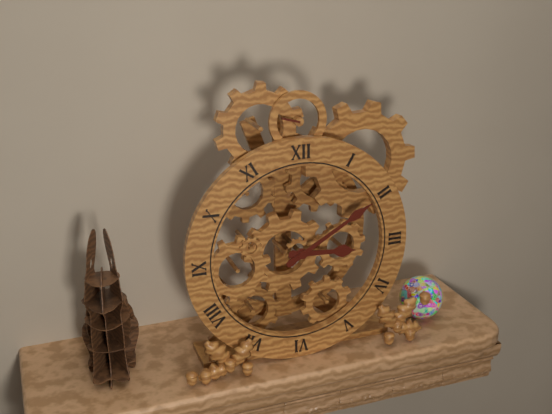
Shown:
3 h 10 min
